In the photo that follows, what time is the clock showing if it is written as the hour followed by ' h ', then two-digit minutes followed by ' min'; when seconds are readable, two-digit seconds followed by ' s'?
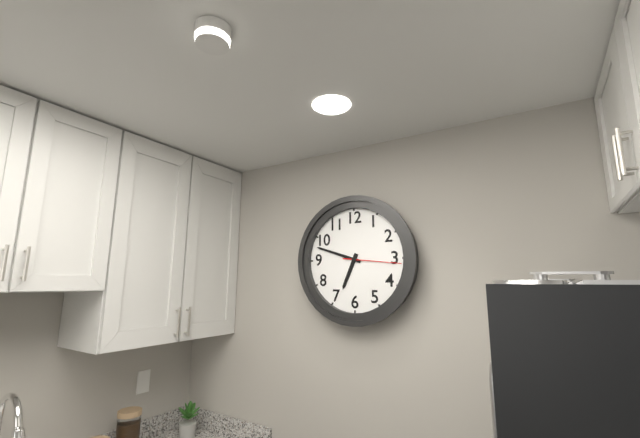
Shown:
6 h 48 min 16 s
